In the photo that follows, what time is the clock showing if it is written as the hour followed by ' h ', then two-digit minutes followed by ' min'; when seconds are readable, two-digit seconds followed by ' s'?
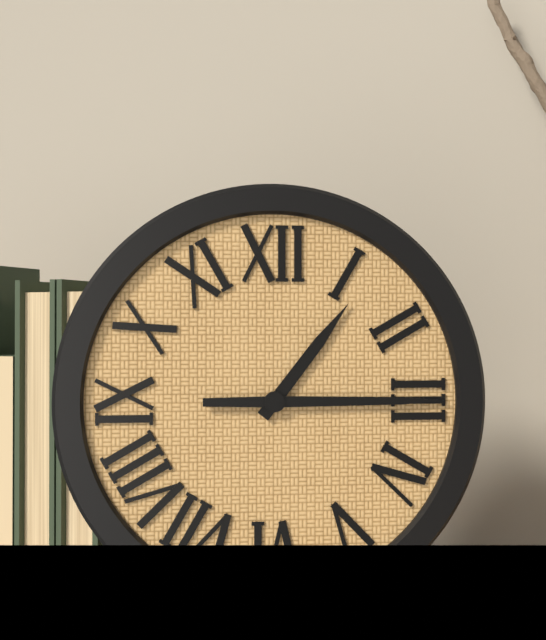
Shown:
1 h 15 min
